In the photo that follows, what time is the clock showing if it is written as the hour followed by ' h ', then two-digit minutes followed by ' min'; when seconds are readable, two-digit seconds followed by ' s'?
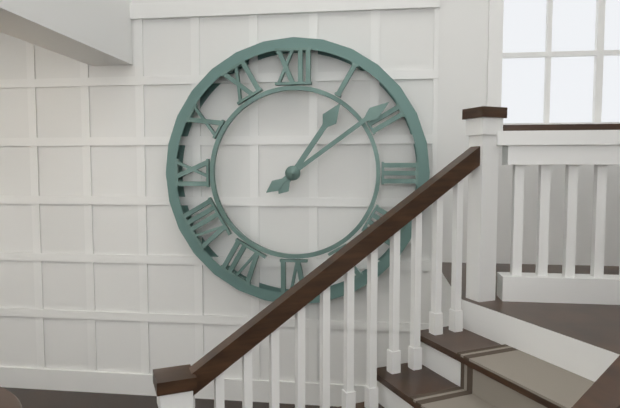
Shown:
1 h 09 min
